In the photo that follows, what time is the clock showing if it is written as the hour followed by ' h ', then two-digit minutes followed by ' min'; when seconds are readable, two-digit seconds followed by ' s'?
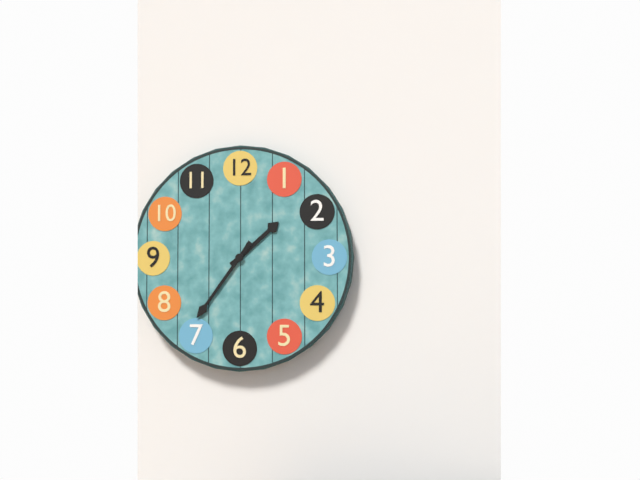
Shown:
1 h 36 min
